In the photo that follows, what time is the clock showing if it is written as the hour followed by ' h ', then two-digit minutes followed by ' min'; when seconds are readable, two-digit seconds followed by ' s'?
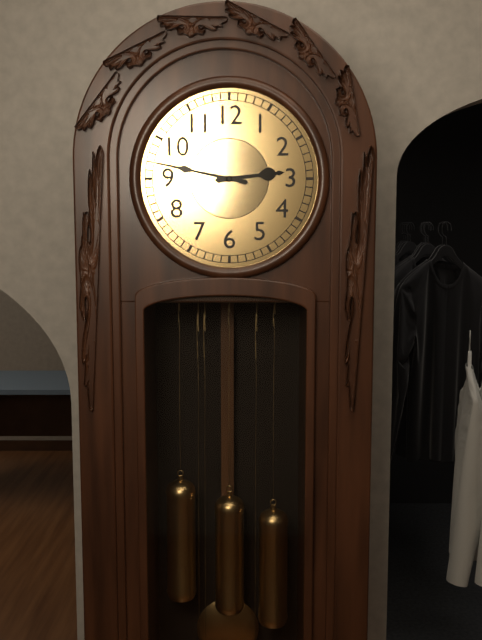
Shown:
2 h 47 min
